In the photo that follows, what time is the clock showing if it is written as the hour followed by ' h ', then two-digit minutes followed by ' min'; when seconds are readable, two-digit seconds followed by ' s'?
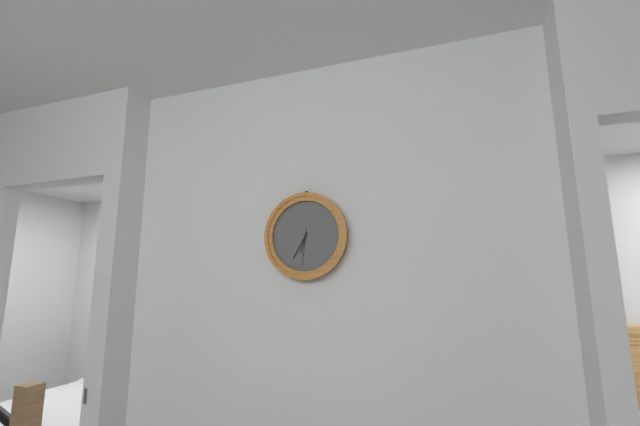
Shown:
6 h 35 min
